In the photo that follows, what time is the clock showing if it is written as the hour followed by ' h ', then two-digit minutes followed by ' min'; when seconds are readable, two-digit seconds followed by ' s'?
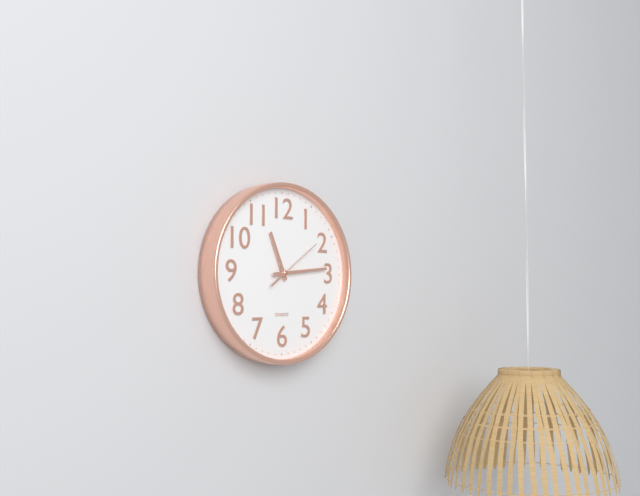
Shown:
11 h 14 min 09 s
